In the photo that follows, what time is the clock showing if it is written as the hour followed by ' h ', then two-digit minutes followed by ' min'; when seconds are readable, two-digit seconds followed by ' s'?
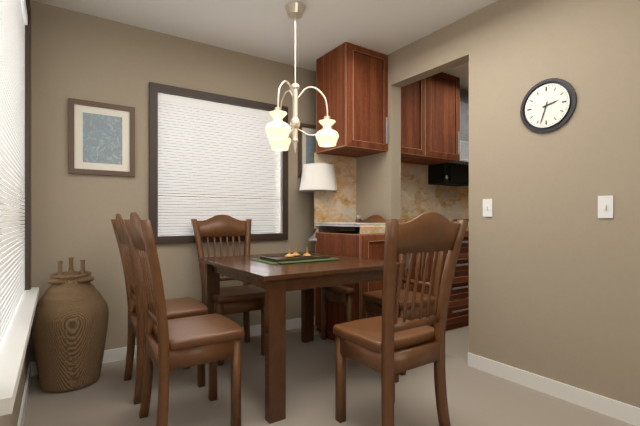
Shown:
2 h 33 min
